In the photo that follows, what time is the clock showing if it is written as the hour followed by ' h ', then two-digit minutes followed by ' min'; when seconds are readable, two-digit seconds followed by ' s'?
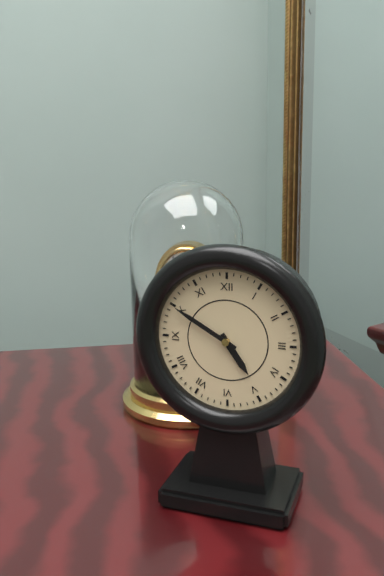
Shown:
4 h 50 min
